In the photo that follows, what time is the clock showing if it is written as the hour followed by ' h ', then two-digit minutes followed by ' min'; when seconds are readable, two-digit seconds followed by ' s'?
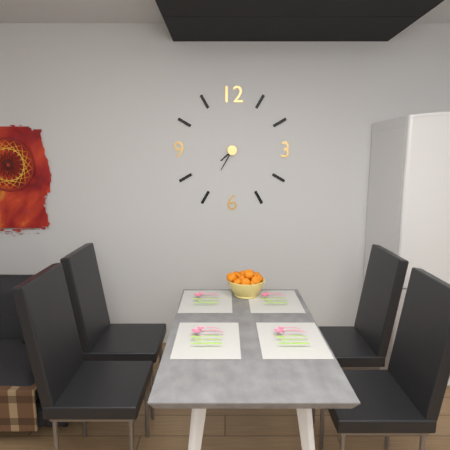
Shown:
7 h 35 min
